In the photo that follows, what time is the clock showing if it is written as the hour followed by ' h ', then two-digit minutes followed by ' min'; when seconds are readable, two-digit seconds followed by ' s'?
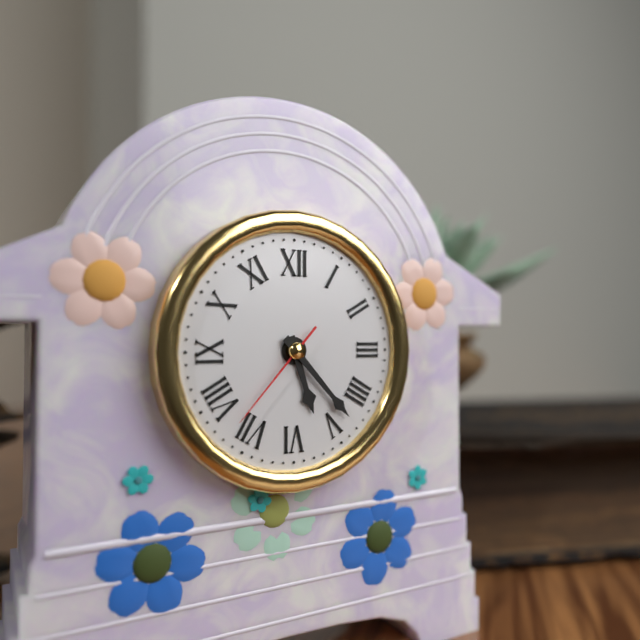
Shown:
5 h 23 min 37 s
